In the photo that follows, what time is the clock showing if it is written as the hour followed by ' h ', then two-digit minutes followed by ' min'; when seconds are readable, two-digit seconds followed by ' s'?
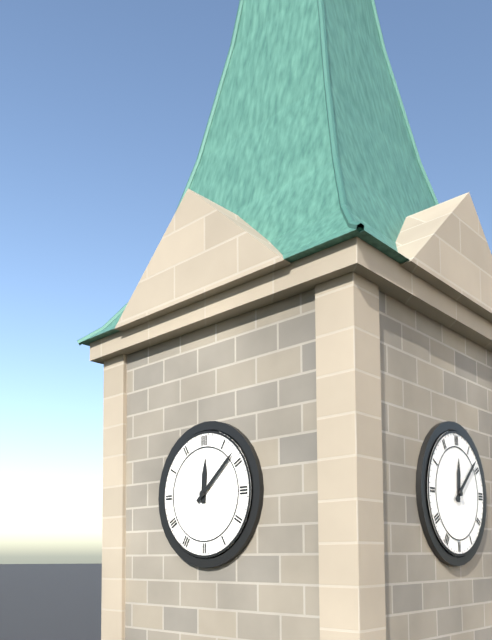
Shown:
12 h 08 min
